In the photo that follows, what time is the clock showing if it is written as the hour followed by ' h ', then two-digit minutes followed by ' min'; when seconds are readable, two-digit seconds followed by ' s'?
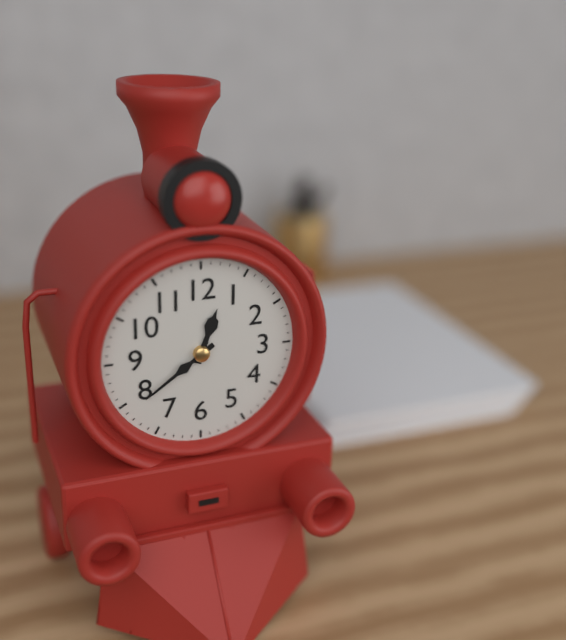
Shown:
12 h 39 min
